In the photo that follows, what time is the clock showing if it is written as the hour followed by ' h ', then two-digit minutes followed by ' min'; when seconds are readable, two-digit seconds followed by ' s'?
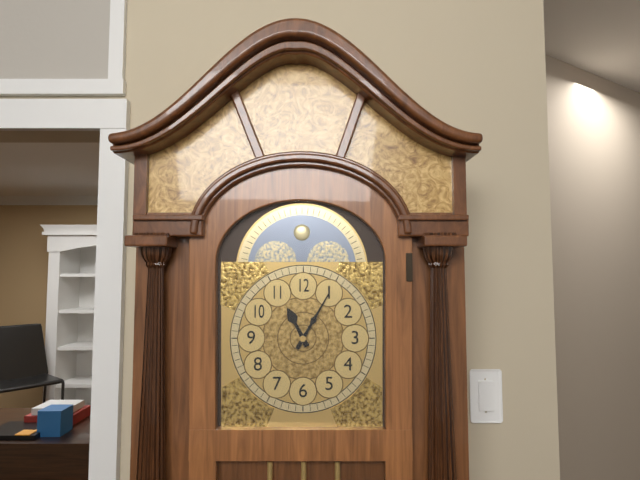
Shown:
11 h 05 min
